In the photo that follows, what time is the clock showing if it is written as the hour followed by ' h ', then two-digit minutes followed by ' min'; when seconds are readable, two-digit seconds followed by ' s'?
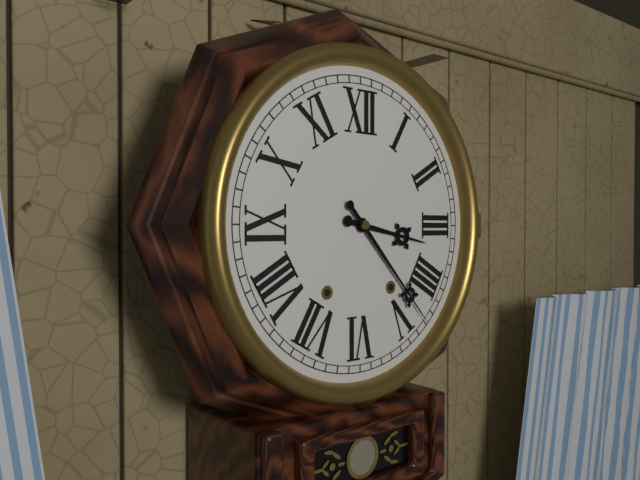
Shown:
3 h 23 min
